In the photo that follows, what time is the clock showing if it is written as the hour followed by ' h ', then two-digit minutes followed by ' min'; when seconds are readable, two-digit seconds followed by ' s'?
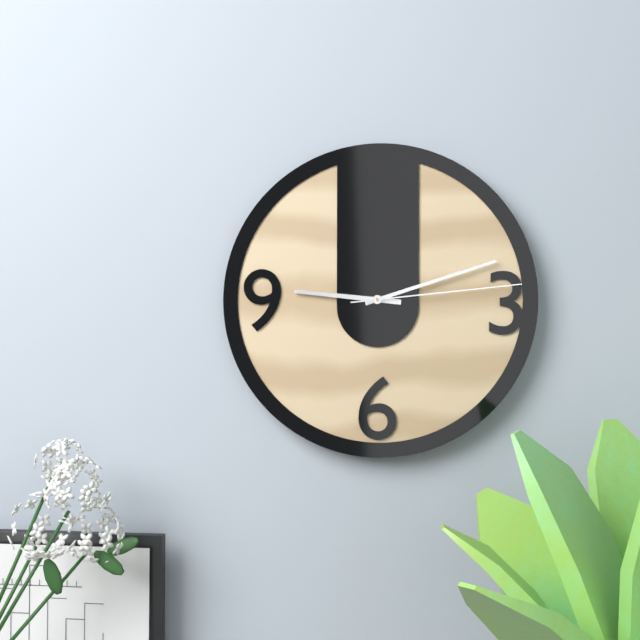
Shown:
9 h 12 min 14 s
